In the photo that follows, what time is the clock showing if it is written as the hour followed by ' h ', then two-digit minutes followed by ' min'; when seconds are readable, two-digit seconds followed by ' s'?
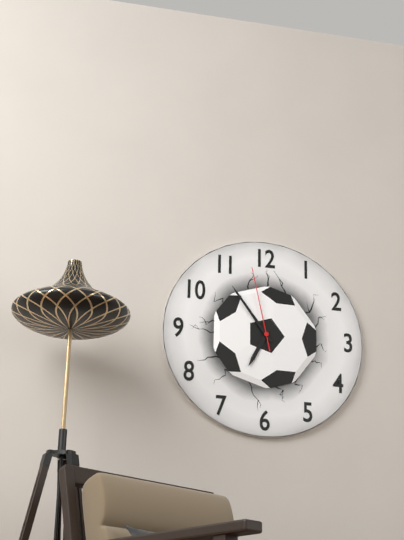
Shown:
6 h 54 min 58 s
